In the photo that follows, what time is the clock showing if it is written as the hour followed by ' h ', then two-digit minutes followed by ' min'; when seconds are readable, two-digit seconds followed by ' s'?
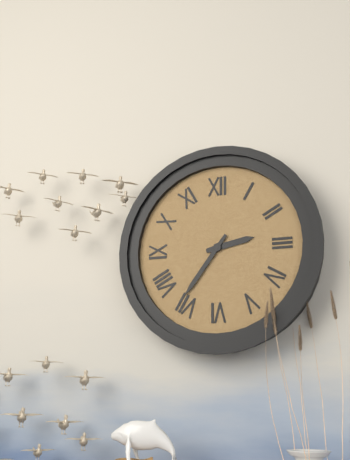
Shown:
2 h 36 min
